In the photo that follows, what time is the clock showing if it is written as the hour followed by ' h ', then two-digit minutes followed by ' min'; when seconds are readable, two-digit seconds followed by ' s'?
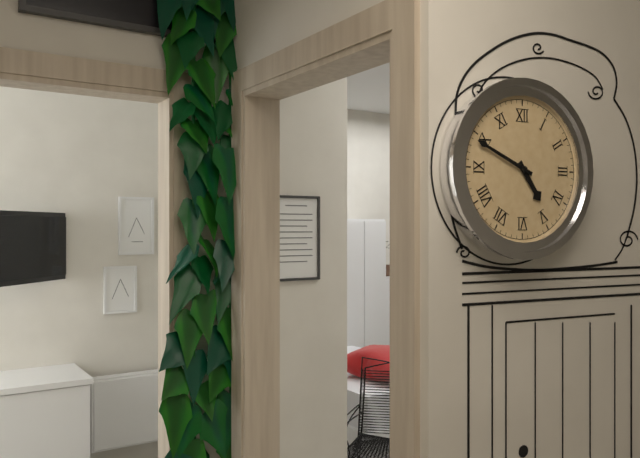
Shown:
4 h 49 min
